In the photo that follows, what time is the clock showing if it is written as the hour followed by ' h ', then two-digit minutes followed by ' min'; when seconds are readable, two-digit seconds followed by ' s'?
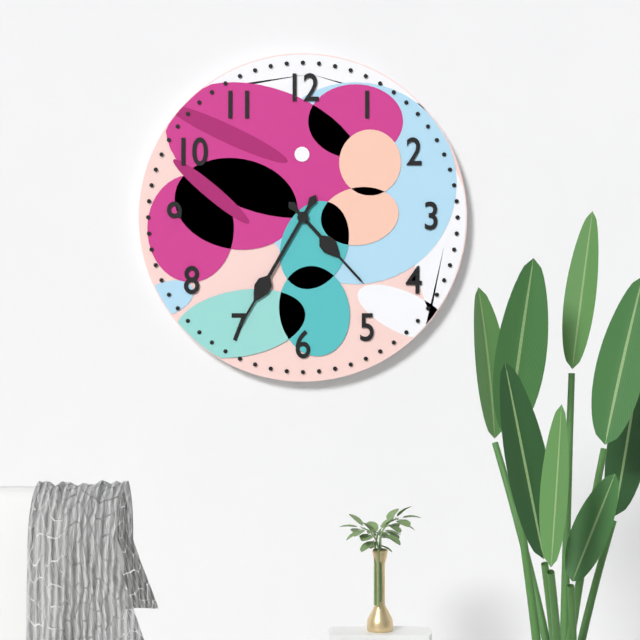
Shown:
4 h 35 min
